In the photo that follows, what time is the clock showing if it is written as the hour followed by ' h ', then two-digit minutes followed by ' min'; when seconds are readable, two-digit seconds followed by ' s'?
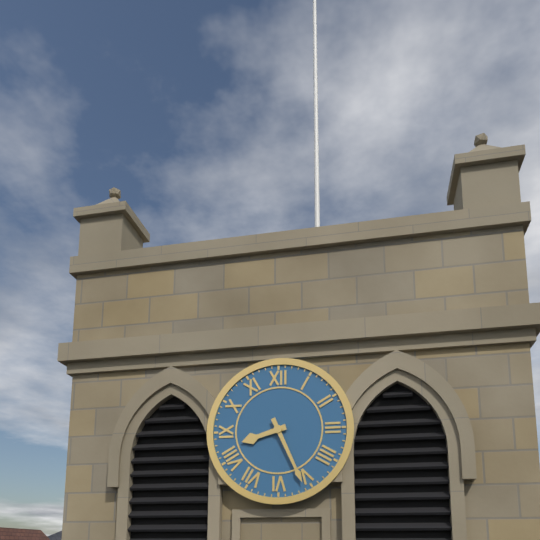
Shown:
8 h 26 min
